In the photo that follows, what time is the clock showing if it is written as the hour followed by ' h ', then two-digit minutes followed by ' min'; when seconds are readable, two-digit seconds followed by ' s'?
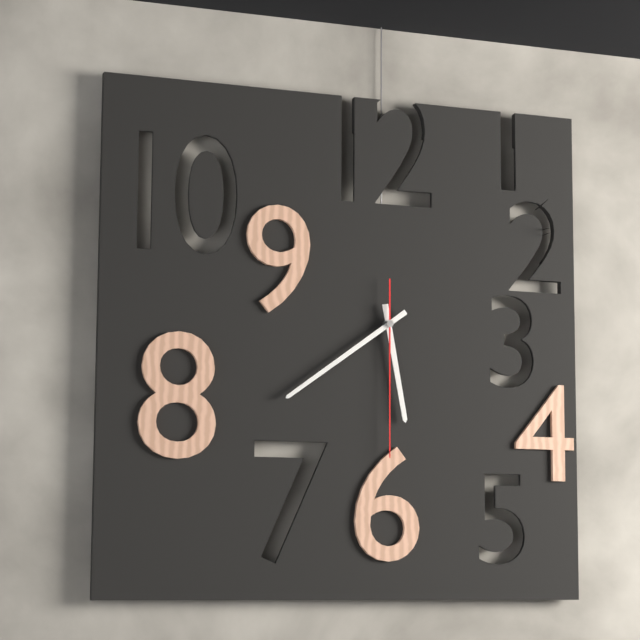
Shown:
5 h 39 min 30 s
